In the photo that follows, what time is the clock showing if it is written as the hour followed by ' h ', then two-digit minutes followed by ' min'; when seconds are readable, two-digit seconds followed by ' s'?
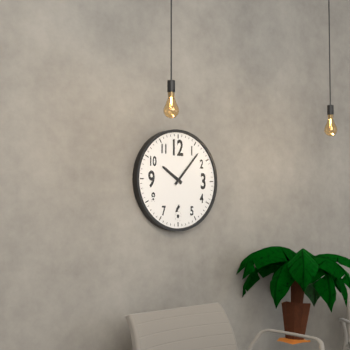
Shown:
10 h 07 min
